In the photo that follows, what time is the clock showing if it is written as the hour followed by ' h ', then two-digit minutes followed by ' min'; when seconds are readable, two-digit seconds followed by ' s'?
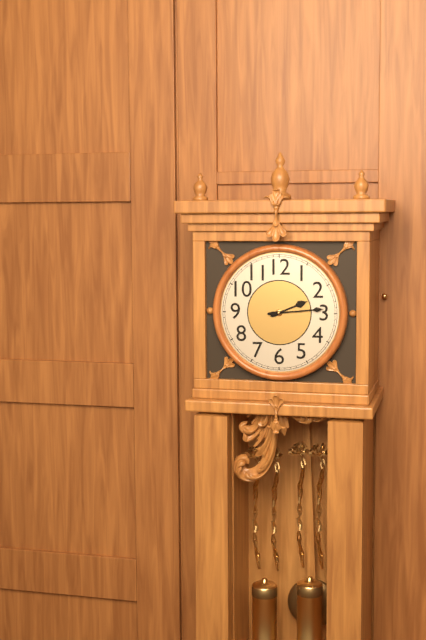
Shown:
2 h 14 min
